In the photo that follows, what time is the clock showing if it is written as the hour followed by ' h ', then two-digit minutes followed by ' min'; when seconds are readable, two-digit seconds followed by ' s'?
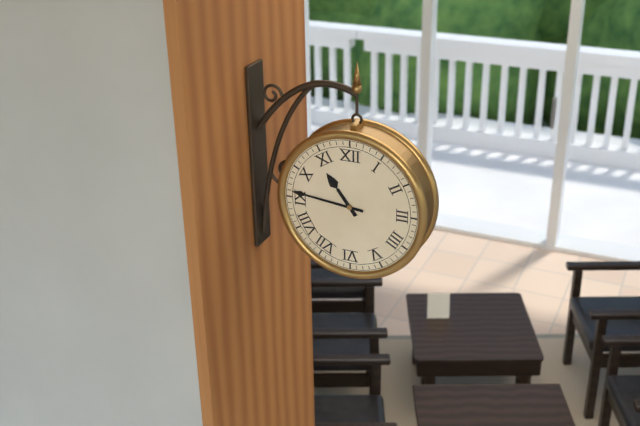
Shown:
10 h 46 min
